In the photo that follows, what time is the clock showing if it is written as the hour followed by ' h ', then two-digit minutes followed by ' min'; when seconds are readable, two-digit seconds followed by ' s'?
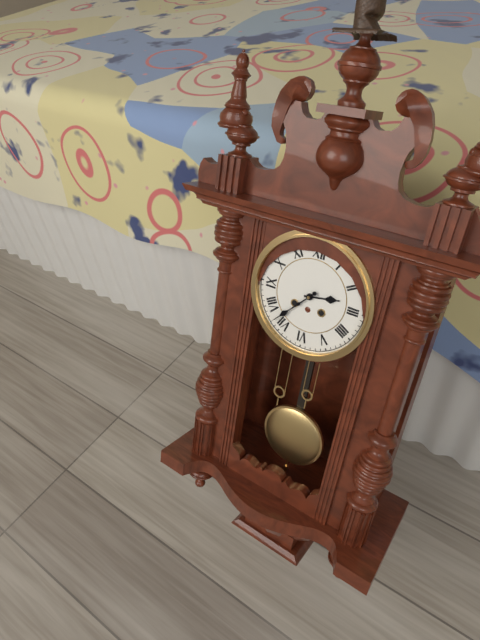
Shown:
2 h 37 min
